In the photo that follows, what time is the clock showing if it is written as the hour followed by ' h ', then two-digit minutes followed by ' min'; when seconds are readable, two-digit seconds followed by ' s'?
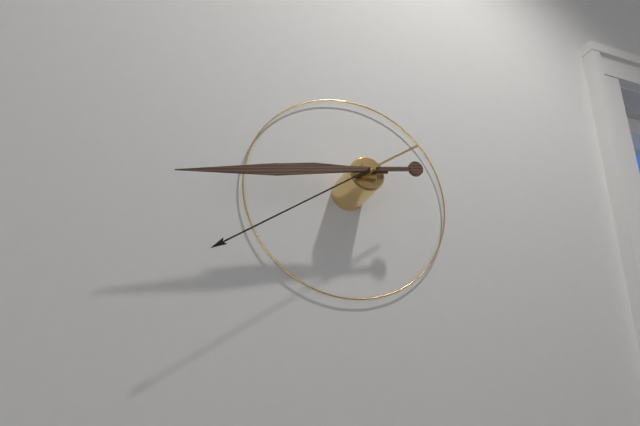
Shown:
8 h 43 min 39 s
